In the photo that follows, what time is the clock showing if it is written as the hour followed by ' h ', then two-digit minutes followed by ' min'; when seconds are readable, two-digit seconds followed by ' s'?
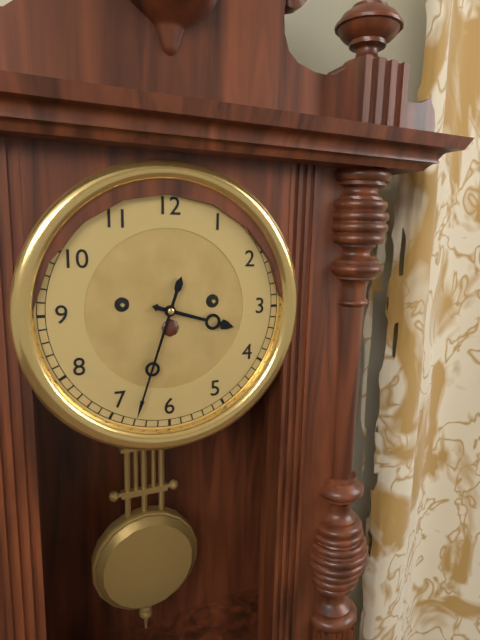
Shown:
3 h 33 min
